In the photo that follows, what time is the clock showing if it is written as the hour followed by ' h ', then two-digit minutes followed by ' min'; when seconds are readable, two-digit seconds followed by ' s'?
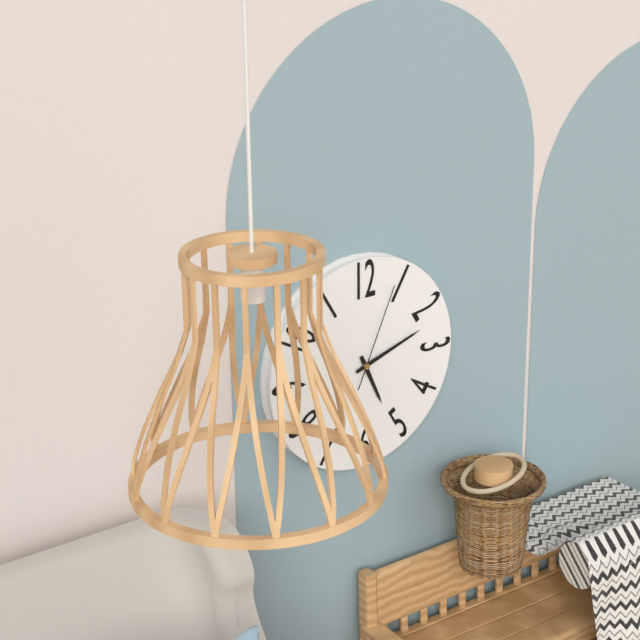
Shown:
5 h 12 min 04 s
